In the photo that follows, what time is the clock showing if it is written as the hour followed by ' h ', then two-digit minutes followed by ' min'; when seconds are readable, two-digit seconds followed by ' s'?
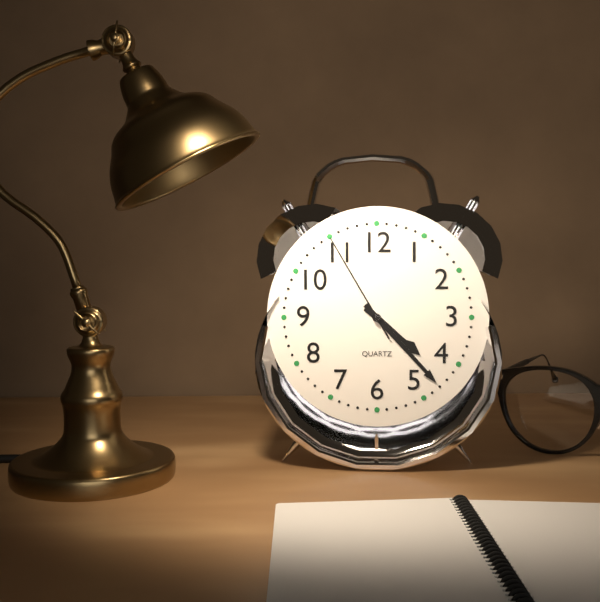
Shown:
4 h 23 min 55 s
